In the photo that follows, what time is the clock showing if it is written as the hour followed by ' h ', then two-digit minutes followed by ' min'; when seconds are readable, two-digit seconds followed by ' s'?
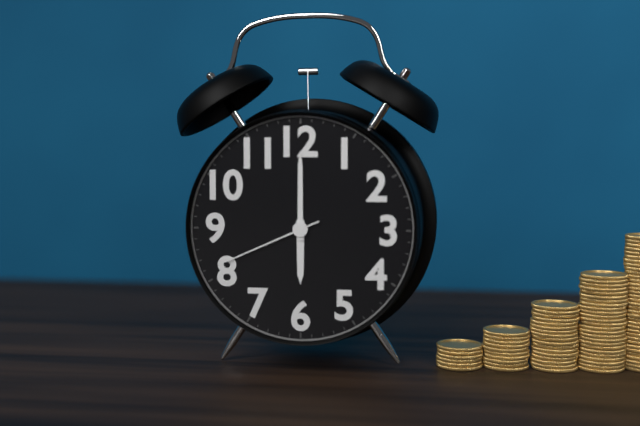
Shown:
6 h 00 min 41 s
